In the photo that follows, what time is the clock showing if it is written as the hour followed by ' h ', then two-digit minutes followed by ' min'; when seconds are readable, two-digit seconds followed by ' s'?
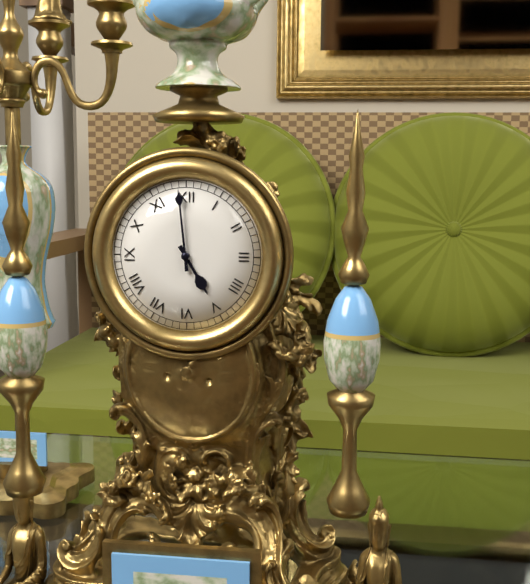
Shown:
4 h 59 min
